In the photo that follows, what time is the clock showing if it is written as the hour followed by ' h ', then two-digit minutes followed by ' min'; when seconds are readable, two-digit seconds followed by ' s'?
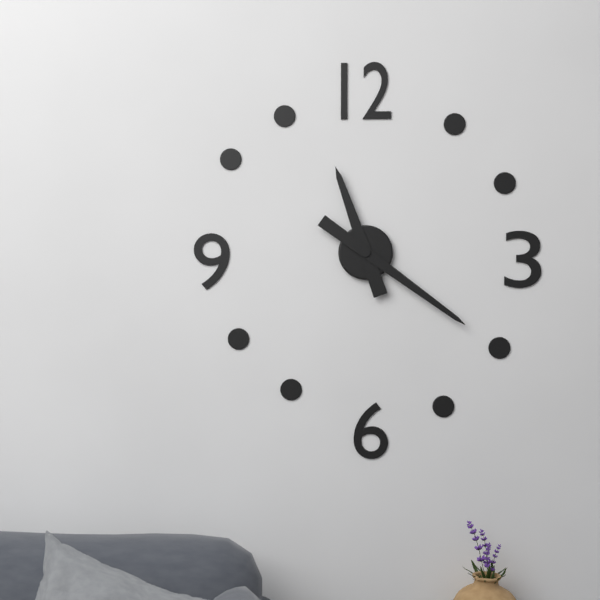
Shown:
11 h 21 min
